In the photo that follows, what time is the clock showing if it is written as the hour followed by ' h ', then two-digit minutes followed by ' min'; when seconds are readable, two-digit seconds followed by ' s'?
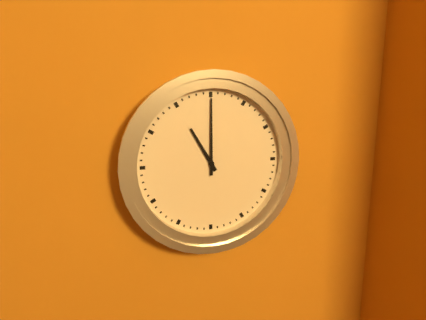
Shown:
11 h 00 min
